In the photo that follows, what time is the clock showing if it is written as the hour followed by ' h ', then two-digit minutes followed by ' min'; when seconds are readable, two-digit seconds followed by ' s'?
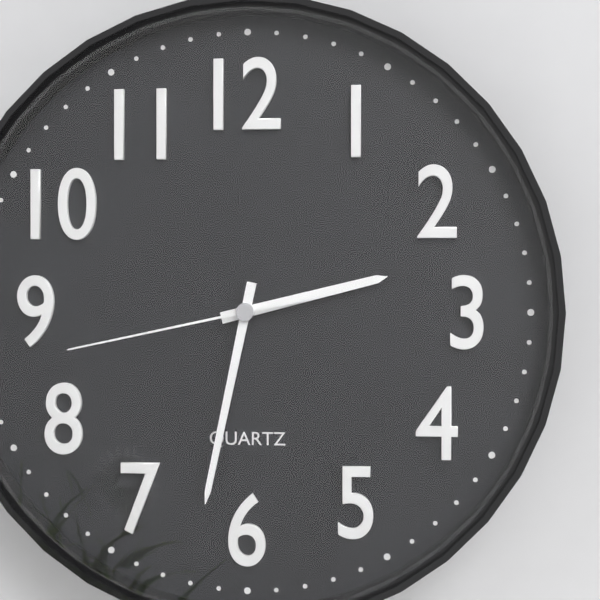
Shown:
2 h 32 min 43 s
